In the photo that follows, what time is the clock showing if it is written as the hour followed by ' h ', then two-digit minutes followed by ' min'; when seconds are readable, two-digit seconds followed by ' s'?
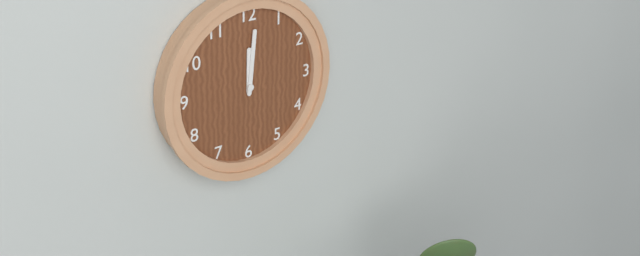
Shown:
12 h 01 min
